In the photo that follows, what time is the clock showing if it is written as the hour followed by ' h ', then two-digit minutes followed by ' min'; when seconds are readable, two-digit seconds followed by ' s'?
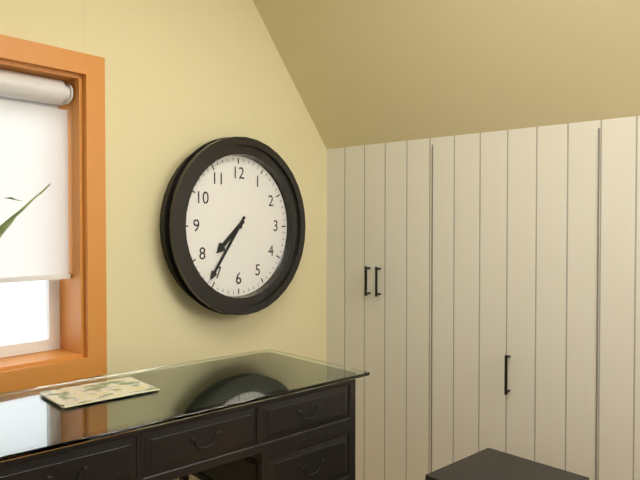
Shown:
7 h 36 min
